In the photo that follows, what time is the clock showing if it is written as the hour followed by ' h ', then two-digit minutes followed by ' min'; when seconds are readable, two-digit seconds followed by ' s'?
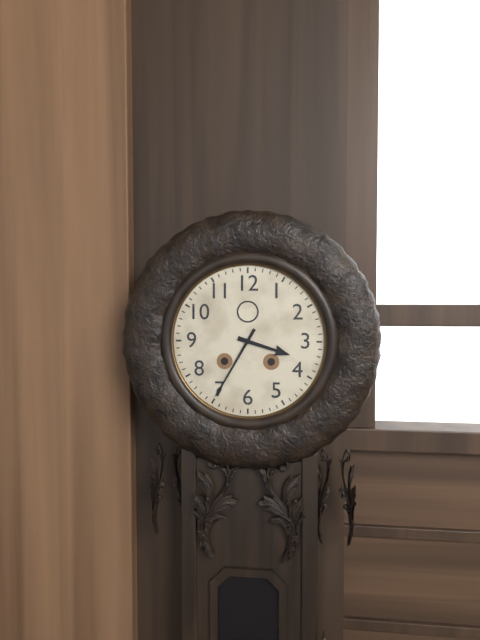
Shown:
3 h 35 min
